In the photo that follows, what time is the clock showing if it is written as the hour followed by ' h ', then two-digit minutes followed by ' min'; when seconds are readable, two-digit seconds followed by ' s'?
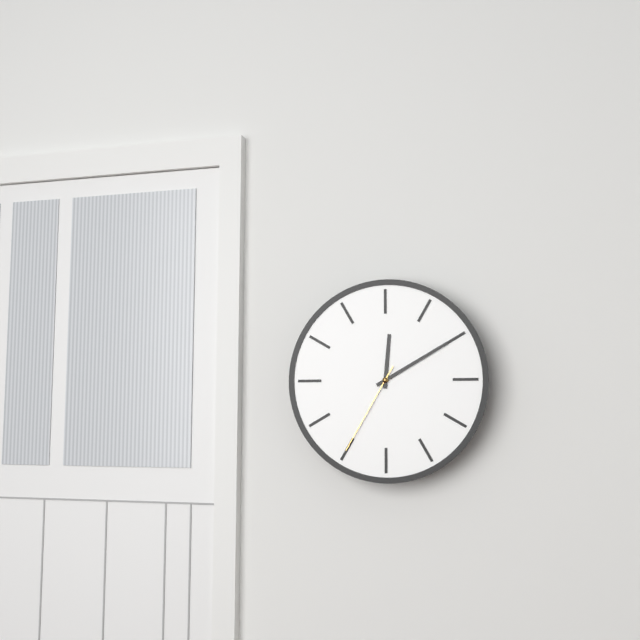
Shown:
12 h 10 min 35 s
